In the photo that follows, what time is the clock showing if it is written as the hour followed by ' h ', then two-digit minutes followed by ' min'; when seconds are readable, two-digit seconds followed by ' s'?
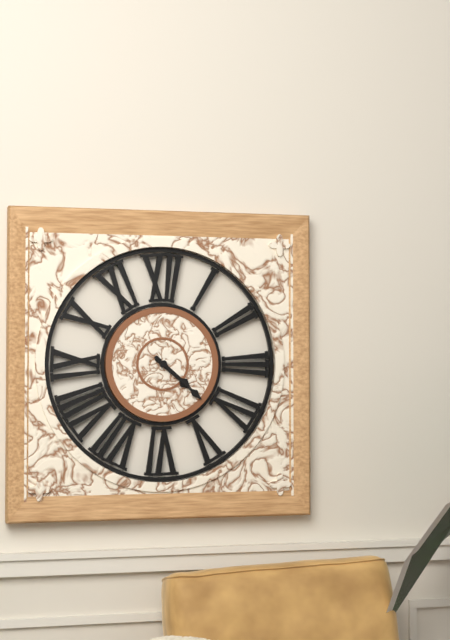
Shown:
4 h 22 min
